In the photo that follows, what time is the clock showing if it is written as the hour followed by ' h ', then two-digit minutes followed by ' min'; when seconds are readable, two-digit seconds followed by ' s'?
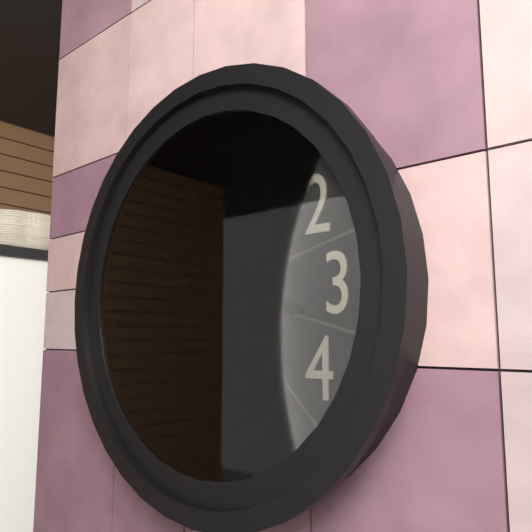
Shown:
12 h 17 min
